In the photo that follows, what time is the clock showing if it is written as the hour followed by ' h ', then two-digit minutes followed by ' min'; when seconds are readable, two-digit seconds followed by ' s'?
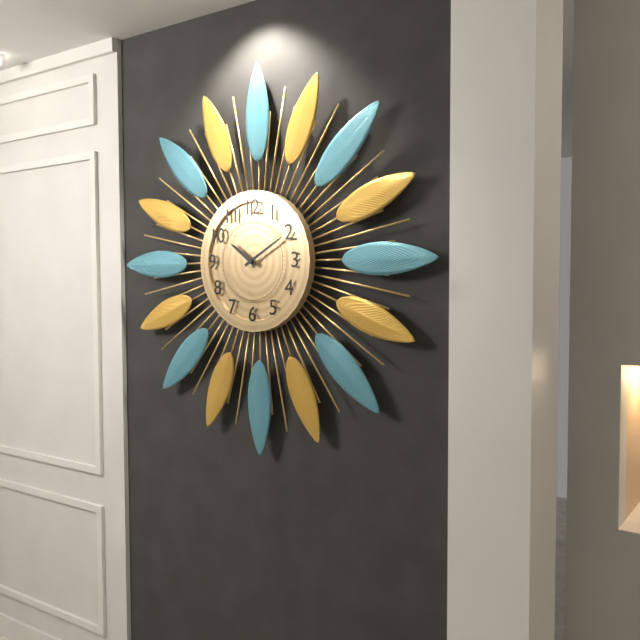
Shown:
10 h 10 min
